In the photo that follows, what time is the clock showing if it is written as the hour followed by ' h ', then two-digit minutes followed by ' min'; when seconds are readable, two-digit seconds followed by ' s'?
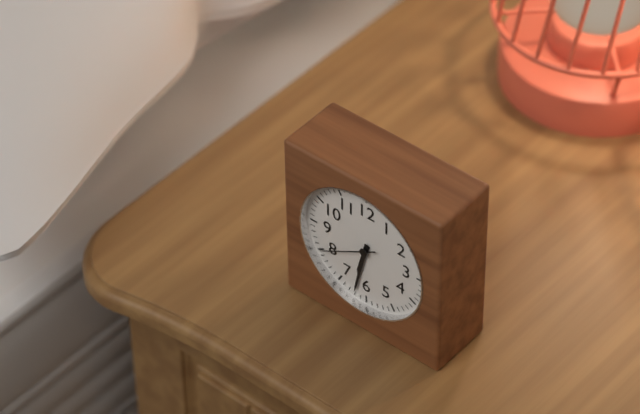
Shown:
6 h 32 min 40 s
